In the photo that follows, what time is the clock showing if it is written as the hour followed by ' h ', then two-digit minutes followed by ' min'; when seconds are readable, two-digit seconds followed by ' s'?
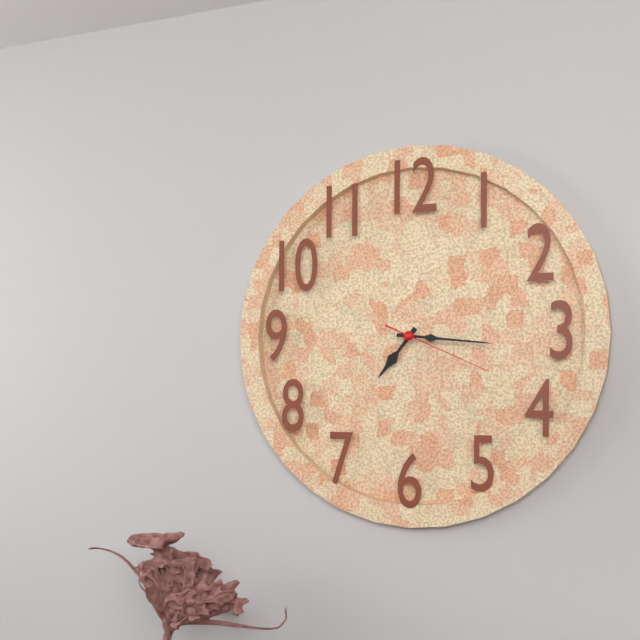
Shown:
7 h 16 min 19 s
